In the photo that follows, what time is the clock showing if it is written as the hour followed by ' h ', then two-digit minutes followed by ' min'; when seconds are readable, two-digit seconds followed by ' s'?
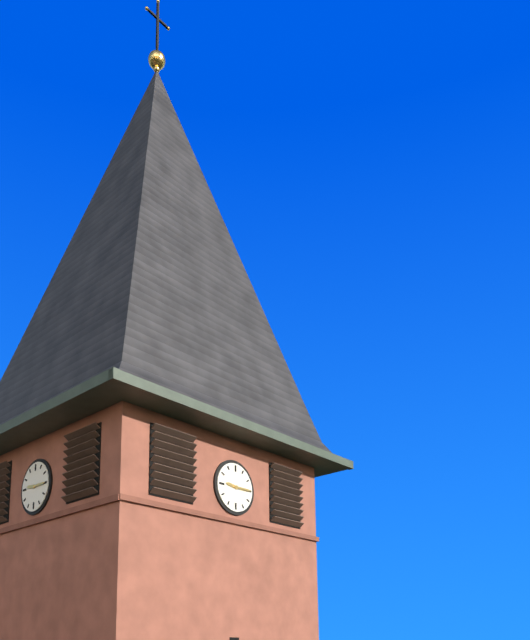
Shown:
9 h 15 min
